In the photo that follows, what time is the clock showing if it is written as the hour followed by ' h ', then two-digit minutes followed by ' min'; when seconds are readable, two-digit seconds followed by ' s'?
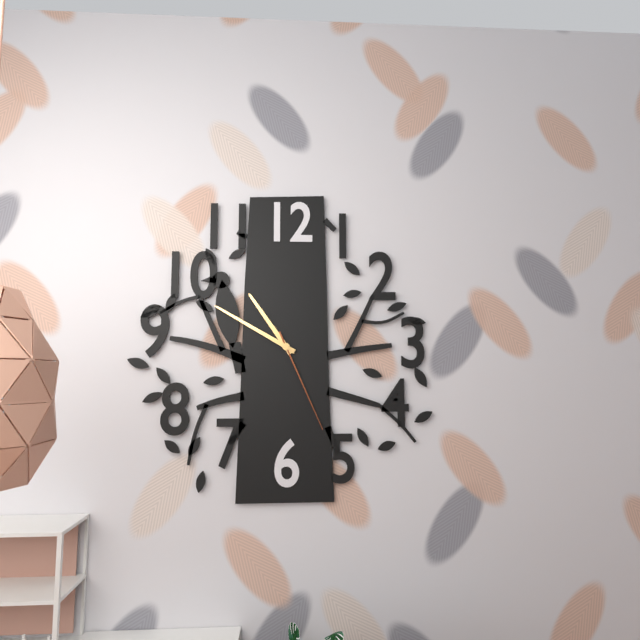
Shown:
10 h 50 min 26 s
